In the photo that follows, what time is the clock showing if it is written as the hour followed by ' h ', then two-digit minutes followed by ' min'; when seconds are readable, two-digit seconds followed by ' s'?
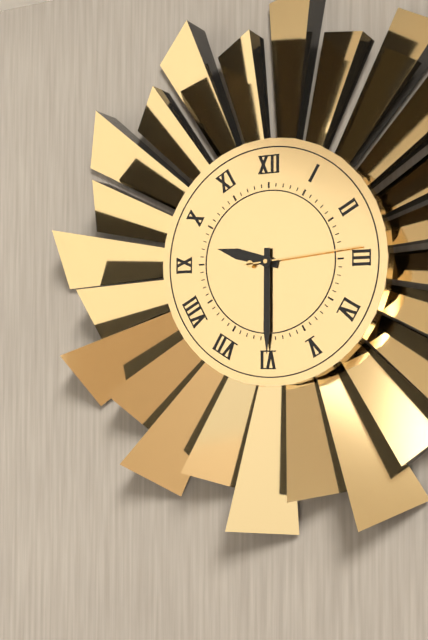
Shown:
9 h 30 min 14 s
